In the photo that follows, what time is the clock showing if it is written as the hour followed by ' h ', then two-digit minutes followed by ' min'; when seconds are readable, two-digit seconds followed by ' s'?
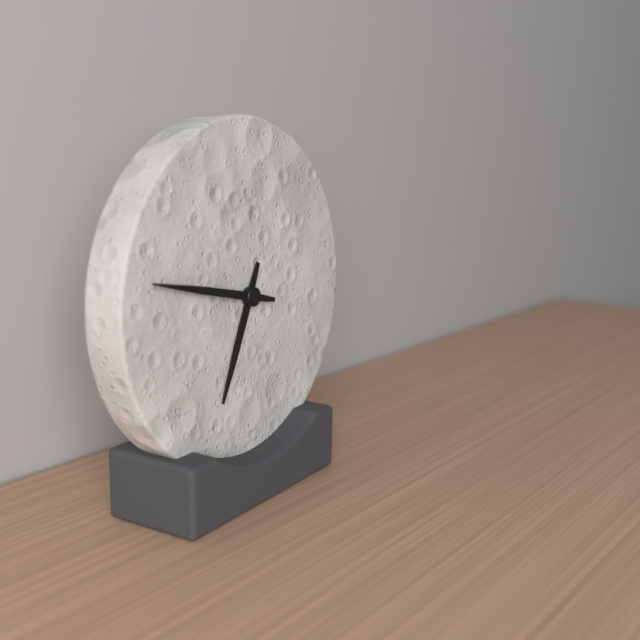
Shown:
6 h 47 min
